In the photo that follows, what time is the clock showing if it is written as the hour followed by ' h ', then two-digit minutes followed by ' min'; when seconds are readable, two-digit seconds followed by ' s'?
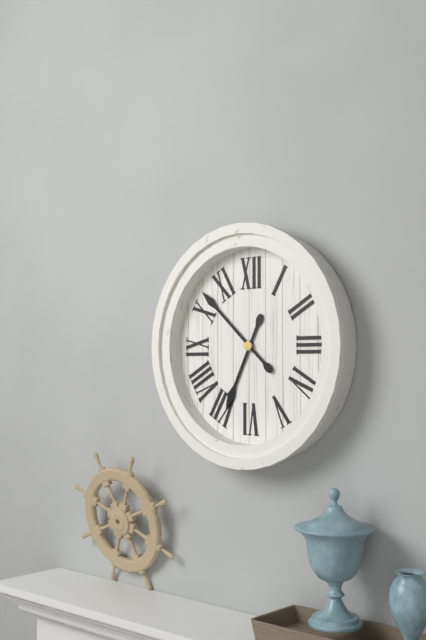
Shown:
6 h 52 min
